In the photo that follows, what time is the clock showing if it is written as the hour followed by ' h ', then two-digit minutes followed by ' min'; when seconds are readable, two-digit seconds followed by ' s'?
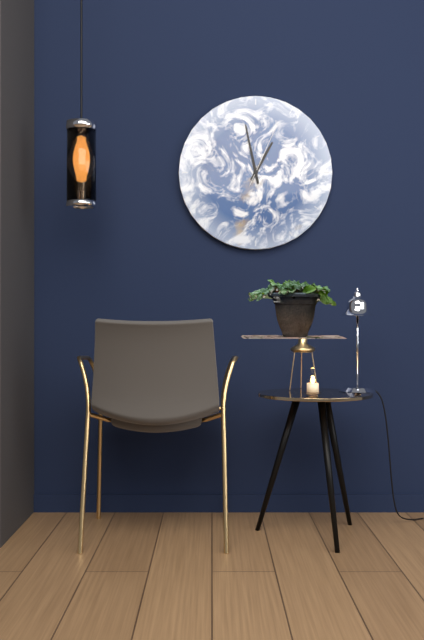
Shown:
12 h 58 min 04 s
